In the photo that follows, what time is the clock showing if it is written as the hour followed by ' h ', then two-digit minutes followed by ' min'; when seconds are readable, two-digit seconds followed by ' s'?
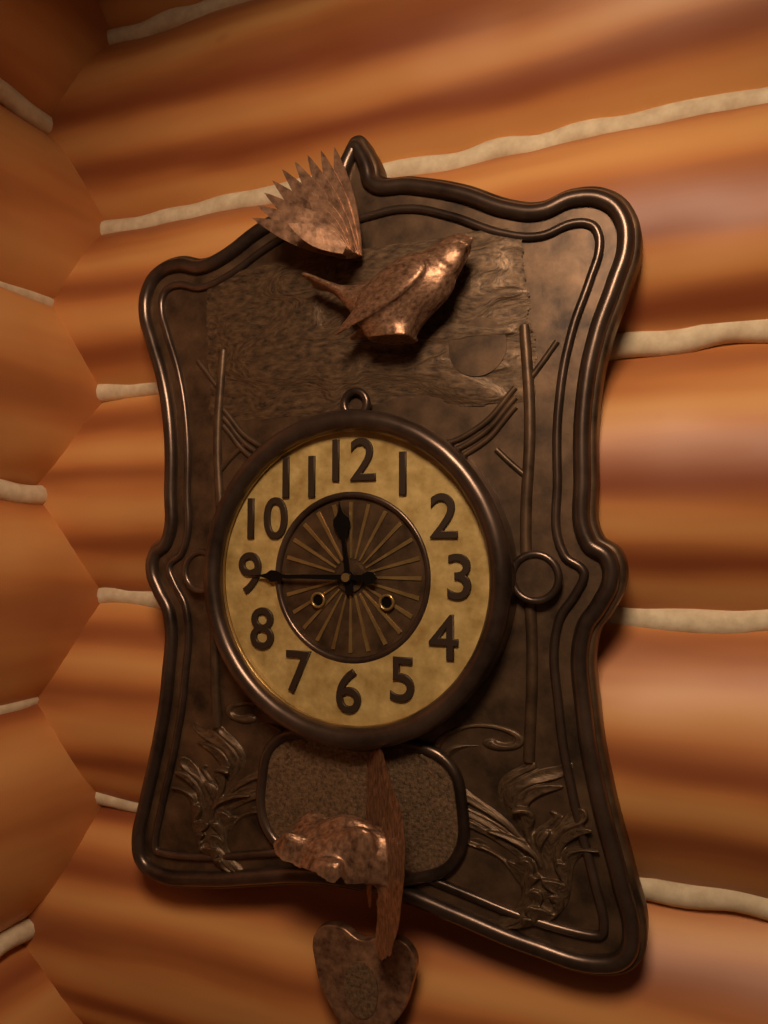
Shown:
11 h 45 min
